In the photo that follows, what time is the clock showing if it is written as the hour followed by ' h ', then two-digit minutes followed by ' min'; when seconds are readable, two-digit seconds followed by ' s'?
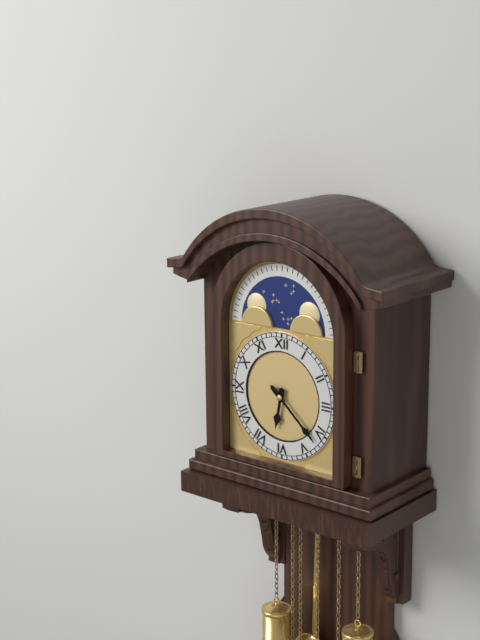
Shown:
6 h 22 min
